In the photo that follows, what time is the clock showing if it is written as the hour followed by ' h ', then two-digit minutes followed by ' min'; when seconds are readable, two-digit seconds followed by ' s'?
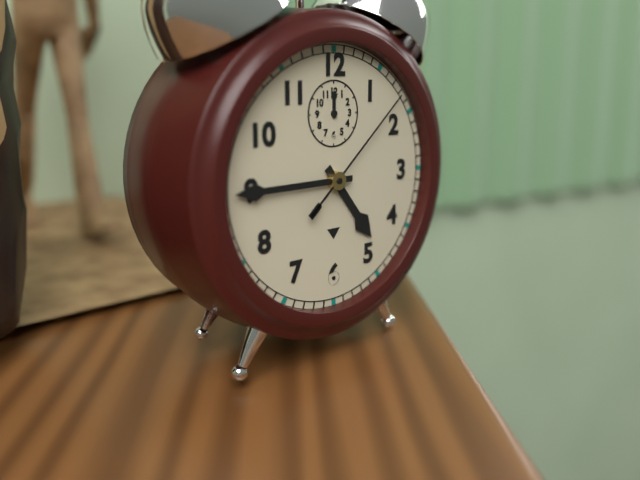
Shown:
4 h 45 min 08 s
